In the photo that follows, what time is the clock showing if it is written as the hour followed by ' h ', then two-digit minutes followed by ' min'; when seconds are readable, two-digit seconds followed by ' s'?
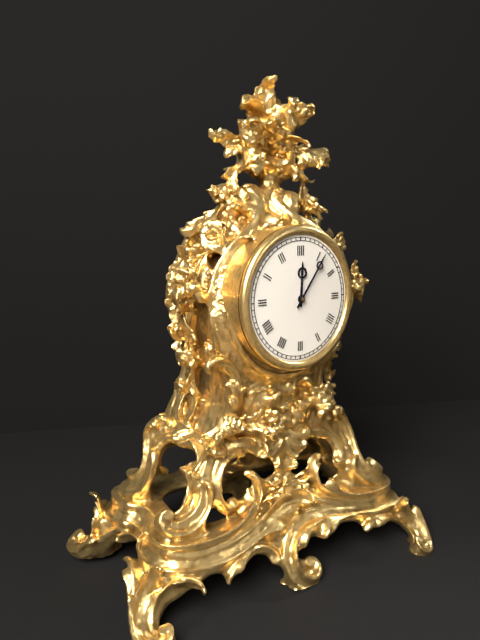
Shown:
12 h 06 min
